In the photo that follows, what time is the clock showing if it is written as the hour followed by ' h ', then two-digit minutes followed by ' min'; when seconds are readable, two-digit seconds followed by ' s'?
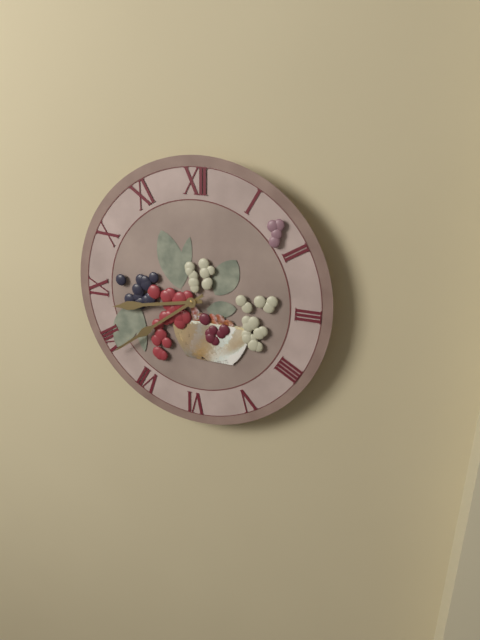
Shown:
8 h 39 min
